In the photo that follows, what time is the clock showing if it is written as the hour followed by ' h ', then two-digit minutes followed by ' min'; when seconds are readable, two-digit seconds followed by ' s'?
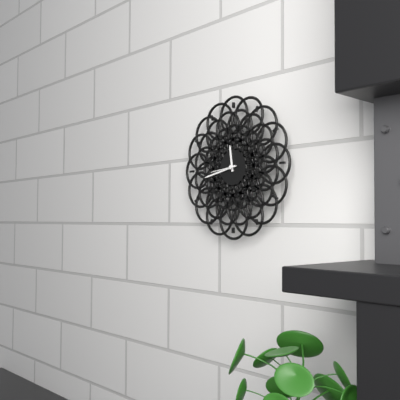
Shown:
11 h 43 min
